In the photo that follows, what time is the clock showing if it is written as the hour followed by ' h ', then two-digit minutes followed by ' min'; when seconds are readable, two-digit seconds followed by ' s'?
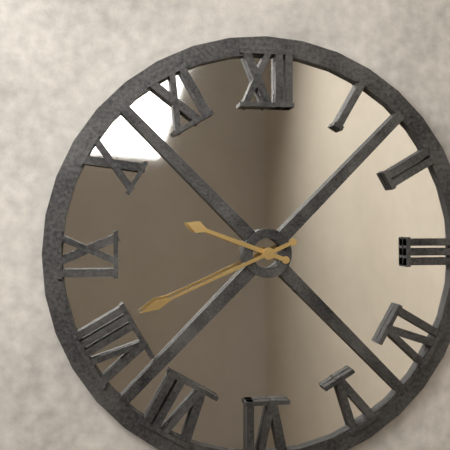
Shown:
9 h 41 min
